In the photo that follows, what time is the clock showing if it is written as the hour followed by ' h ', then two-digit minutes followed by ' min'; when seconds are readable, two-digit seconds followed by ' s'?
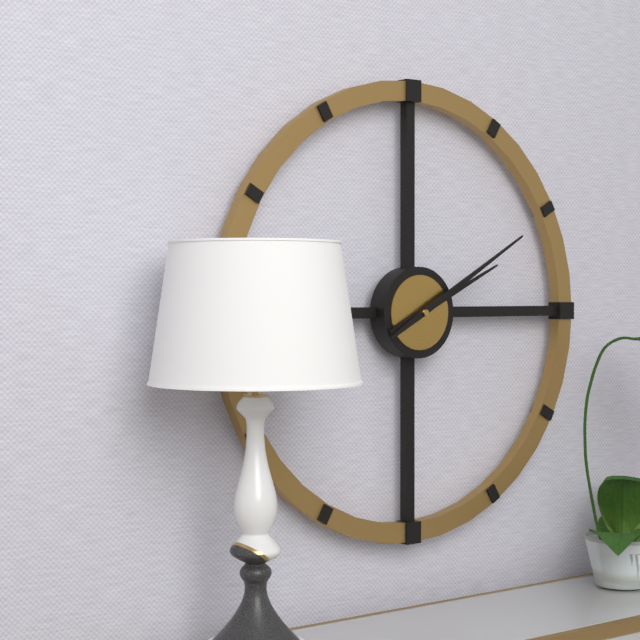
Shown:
2 h 10 min
